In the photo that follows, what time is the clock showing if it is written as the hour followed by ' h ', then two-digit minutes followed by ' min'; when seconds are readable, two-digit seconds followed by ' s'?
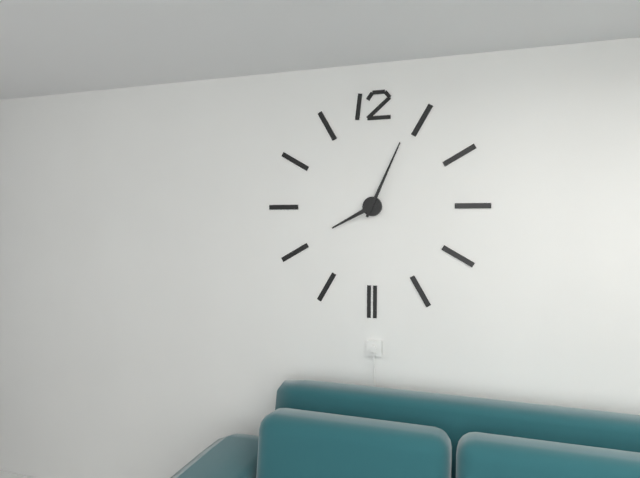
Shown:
8 h 04 min
